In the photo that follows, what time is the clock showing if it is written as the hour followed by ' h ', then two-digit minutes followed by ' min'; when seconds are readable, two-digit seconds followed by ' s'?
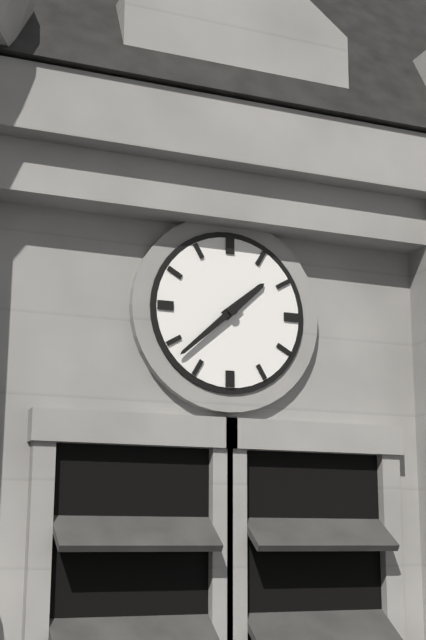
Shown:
1 h 38 min
